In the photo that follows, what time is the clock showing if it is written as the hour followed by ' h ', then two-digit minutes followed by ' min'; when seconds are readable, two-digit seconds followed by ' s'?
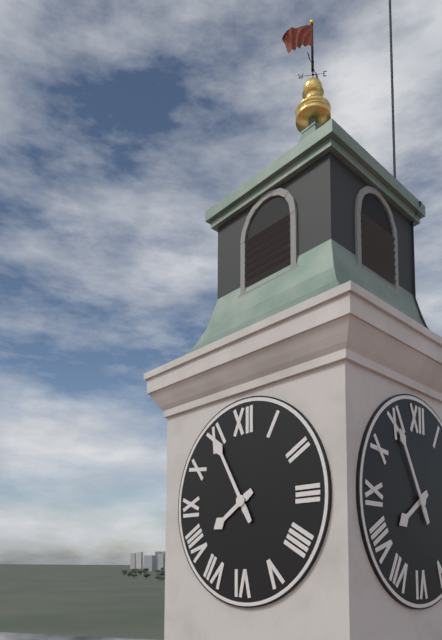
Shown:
7 h 55 min
